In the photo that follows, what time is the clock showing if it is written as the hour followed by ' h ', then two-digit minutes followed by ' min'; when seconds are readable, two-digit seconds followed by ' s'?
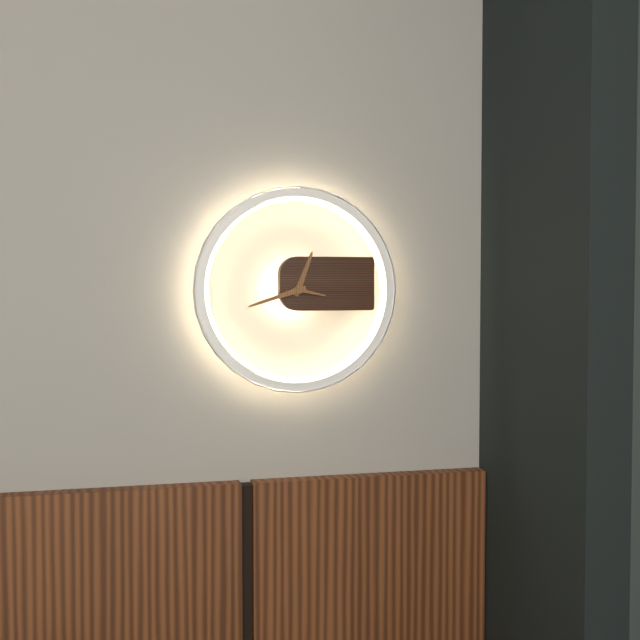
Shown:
12 h 42 min
